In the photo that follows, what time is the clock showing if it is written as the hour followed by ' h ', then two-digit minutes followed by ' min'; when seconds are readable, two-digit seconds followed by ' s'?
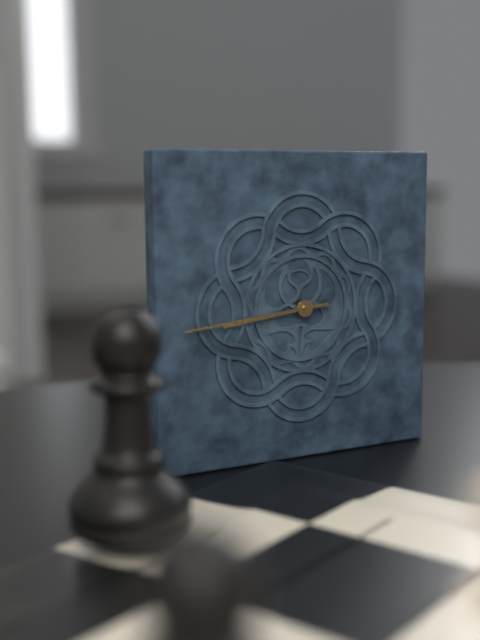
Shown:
8 h 44 min
